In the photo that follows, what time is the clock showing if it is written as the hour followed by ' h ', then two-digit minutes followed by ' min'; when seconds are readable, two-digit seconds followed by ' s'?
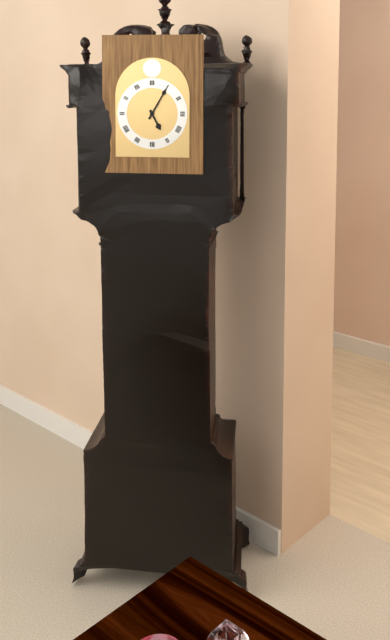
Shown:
5 h 05 min
